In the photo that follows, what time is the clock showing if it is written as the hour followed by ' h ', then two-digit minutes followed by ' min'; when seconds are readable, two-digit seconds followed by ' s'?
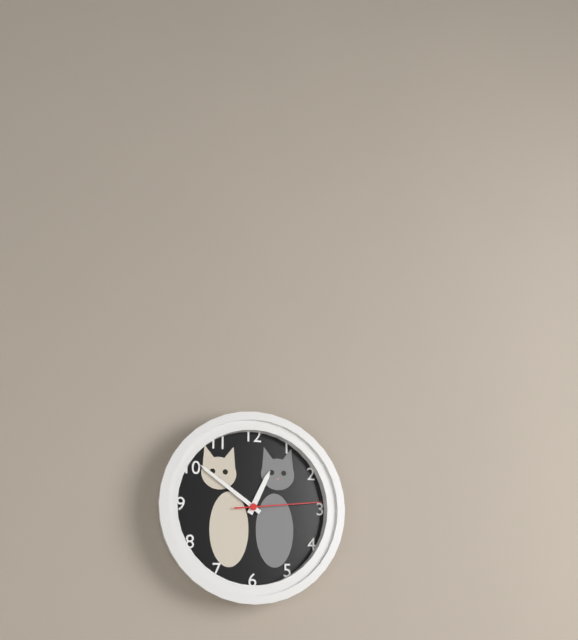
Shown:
12 h 51 min 14 s
